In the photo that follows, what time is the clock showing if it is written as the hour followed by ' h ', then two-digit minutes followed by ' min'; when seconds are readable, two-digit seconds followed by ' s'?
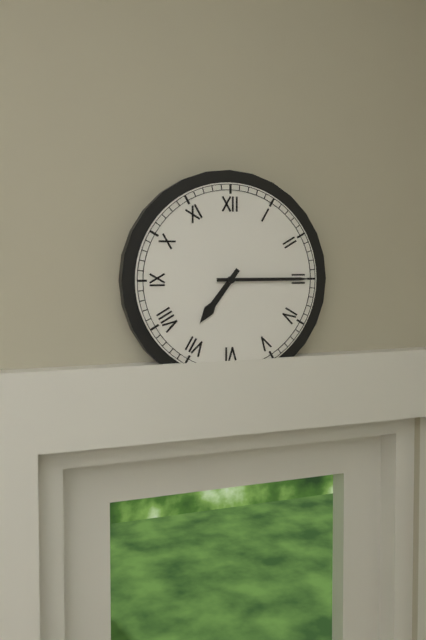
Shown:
7 h 15 min
